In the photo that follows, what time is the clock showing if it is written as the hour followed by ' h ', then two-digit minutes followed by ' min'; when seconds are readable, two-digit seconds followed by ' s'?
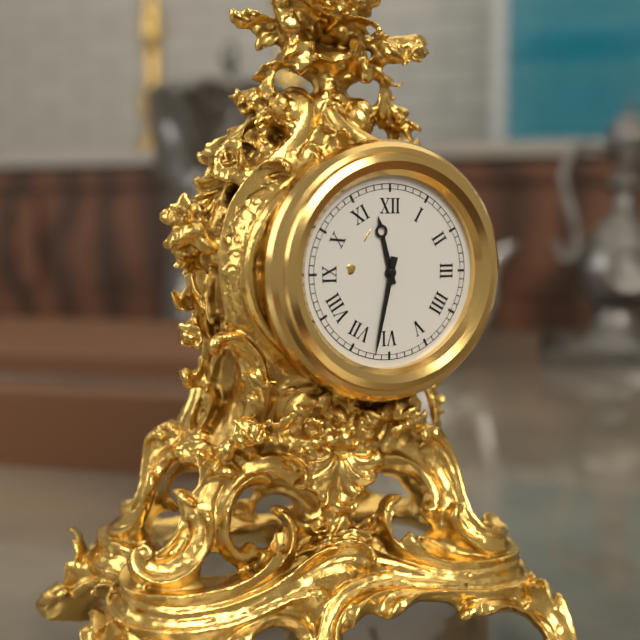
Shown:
11 h 32 min
